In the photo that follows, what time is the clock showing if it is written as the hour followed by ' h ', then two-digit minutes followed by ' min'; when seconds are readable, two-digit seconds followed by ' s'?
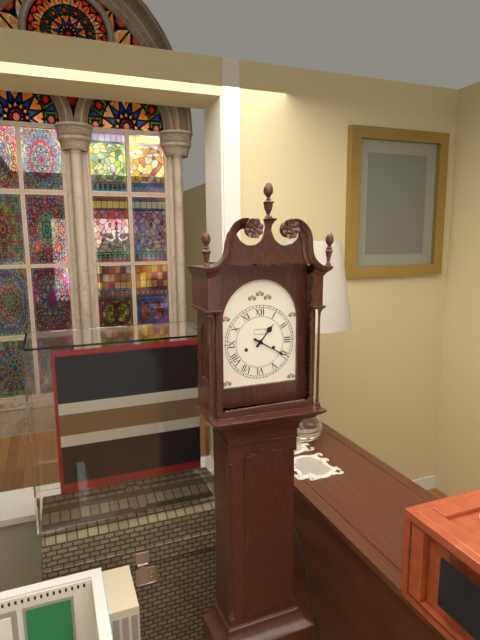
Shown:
1 h 20 min
